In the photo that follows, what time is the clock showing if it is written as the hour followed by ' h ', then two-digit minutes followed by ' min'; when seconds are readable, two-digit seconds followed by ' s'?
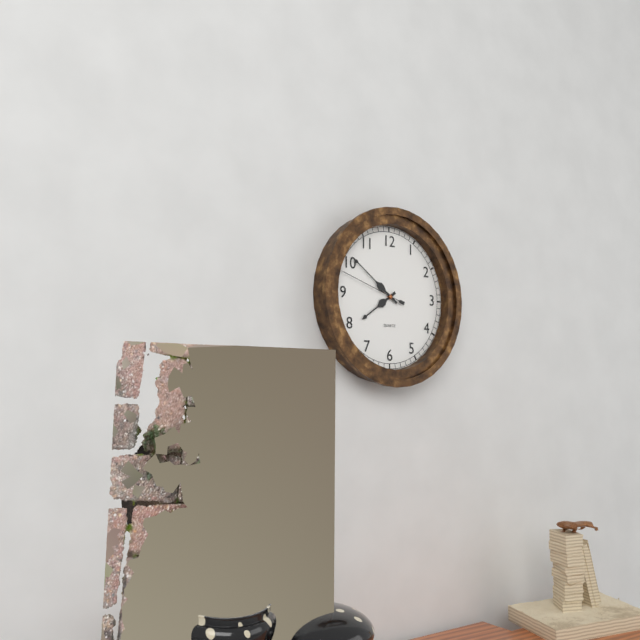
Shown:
7 h 51 min 48 s
